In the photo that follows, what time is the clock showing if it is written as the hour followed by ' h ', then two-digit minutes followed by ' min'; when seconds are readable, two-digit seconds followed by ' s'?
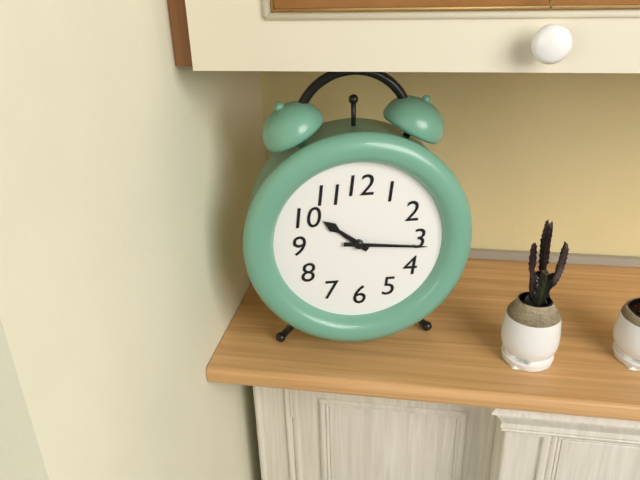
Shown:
10 h 16 min
